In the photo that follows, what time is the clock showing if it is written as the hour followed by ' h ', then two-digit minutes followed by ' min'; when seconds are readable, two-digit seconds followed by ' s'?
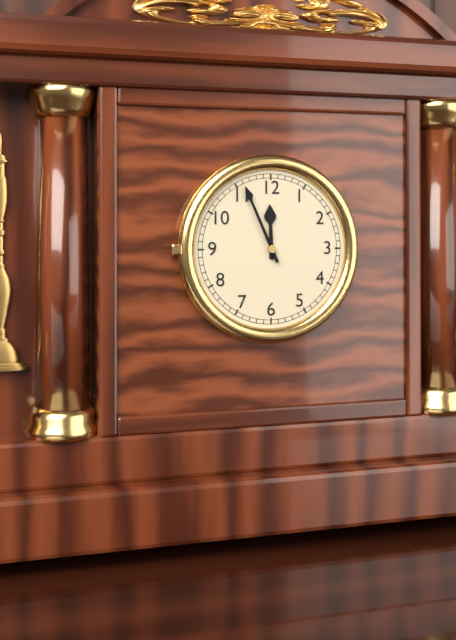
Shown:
11 h 56 min
